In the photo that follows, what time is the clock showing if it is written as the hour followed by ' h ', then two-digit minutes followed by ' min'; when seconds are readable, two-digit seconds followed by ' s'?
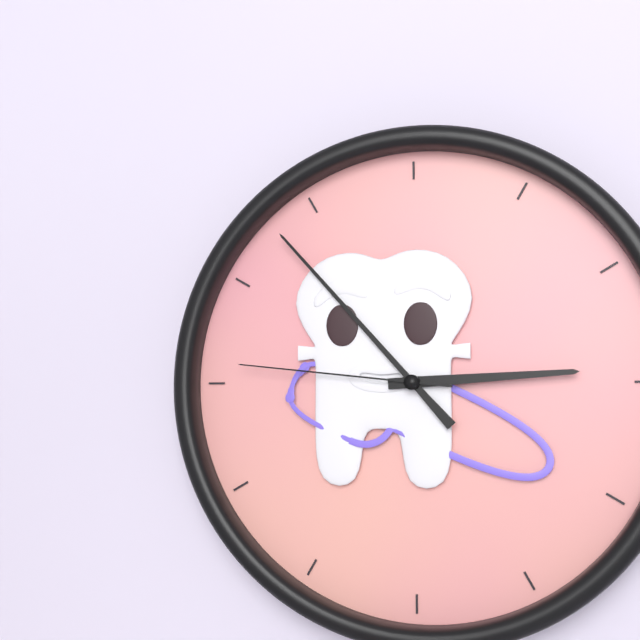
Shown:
2 h 53 min 46 s
